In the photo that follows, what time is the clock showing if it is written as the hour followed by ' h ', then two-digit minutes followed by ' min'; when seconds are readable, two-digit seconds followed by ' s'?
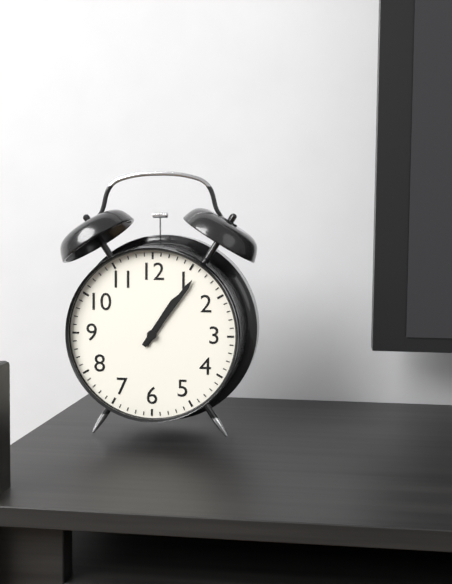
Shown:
1 h 06 min
